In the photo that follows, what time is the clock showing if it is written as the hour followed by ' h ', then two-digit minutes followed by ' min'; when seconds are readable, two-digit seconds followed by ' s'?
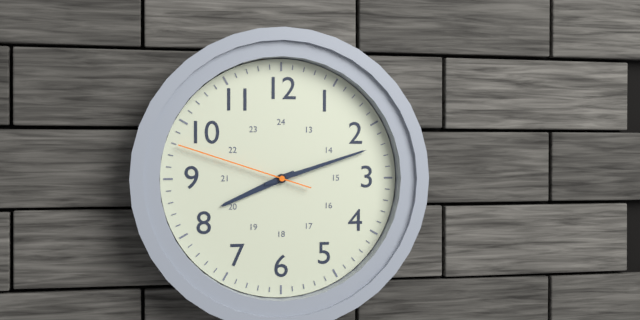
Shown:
8 h 12 min 48 s
